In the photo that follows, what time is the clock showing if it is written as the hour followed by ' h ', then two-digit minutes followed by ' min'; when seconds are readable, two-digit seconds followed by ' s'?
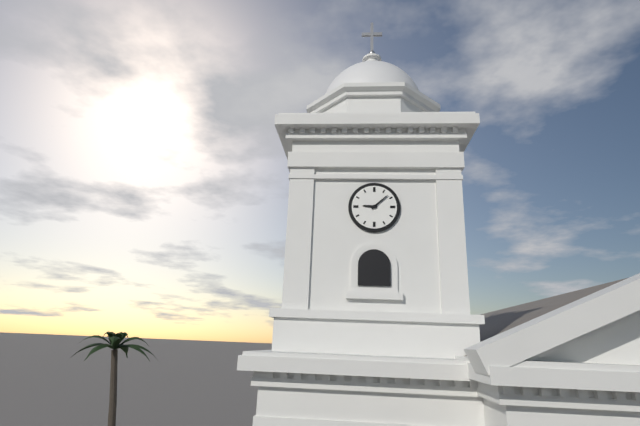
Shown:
9 h 08 min
